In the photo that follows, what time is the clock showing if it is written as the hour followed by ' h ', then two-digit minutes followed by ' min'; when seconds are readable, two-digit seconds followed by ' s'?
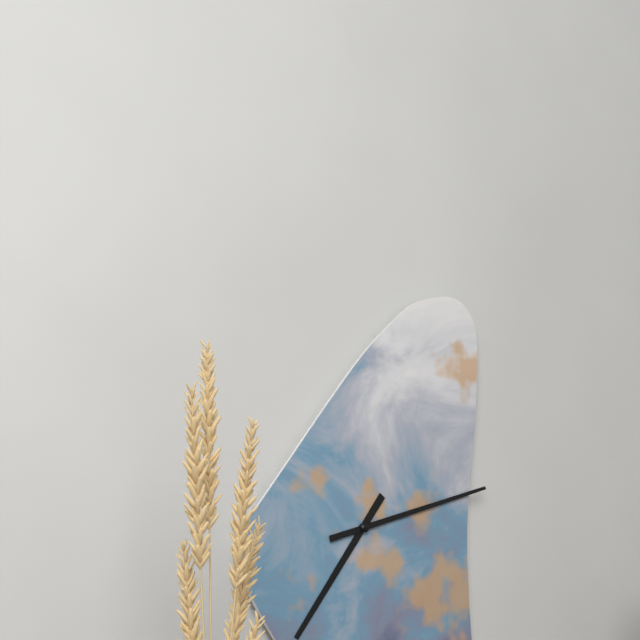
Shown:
7 h 12 min
